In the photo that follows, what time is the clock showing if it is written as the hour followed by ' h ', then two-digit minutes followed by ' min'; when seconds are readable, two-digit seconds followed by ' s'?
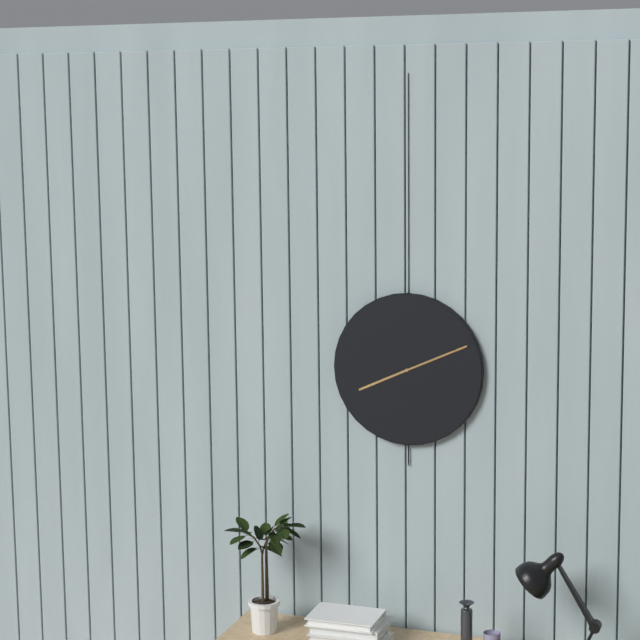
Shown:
8 h 11 min
